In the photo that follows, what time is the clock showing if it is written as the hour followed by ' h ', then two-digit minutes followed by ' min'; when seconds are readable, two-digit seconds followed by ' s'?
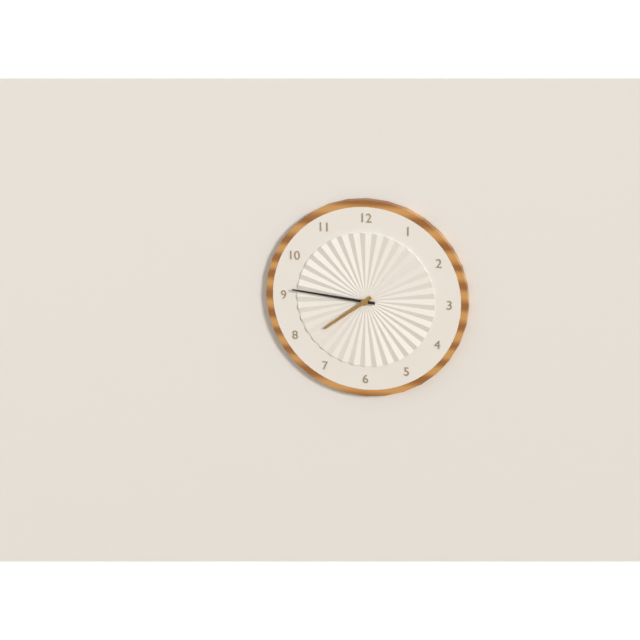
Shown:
7 h 46 min
